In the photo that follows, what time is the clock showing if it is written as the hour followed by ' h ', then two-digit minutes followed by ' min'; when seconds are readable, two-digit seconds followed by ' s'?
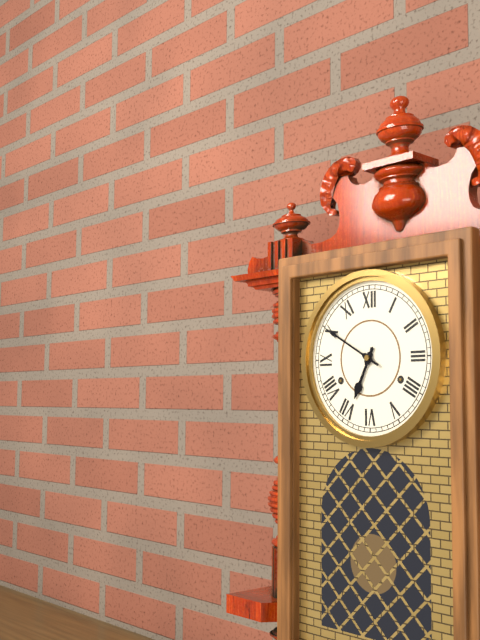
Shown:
6 h 50 min
